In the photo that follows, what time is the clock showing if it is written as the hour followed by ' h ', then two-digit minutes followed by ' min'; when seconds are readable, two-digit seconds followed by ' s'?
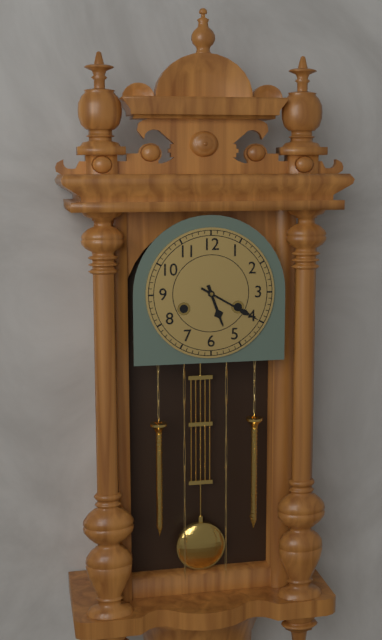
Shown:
5 h 20 min
